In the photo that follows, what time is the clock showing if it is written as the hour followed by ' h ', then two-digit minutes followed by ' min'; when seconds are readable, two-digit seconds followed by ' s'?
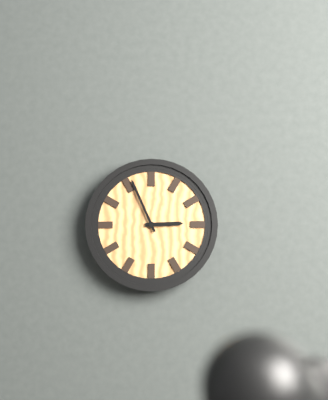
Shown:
2 h 56 min
